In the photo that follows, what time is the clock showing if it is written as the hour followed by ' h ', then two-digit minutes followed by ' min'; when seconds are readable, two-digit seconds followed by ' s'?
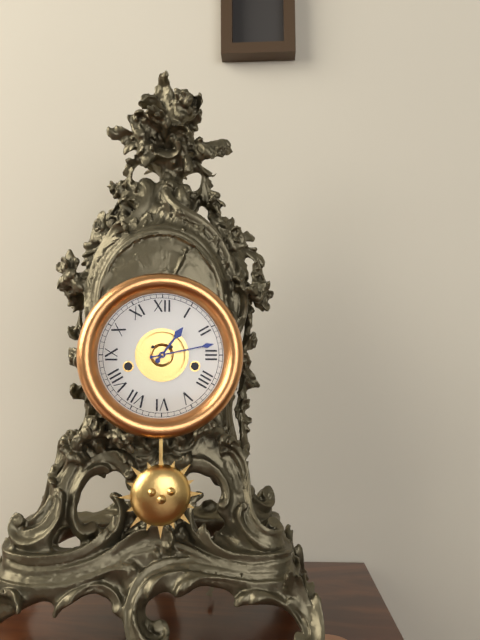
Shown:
1 h 13 min
